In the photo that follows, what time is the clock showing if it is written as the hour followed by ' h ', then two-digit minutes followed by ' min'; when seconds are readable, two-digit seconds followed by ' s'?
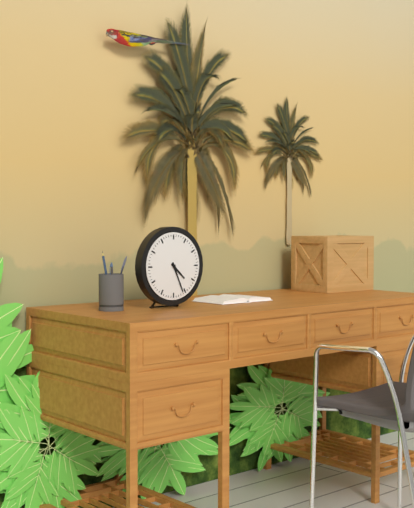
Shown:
4 h 26 min
